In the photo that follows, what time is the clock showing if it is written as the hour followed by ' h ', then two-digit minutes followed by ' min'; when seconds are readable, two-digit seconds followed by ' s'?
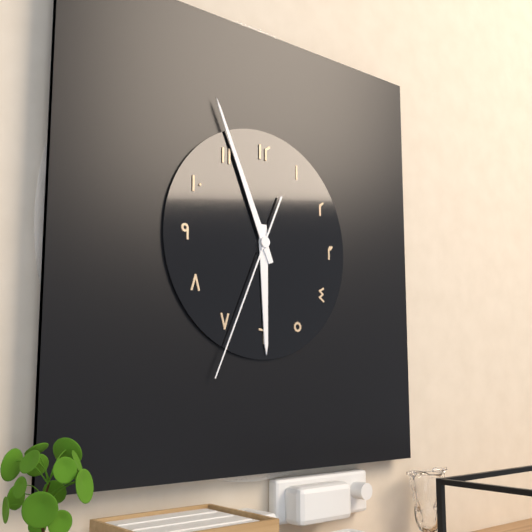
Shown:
5 h 56 min 34 s
